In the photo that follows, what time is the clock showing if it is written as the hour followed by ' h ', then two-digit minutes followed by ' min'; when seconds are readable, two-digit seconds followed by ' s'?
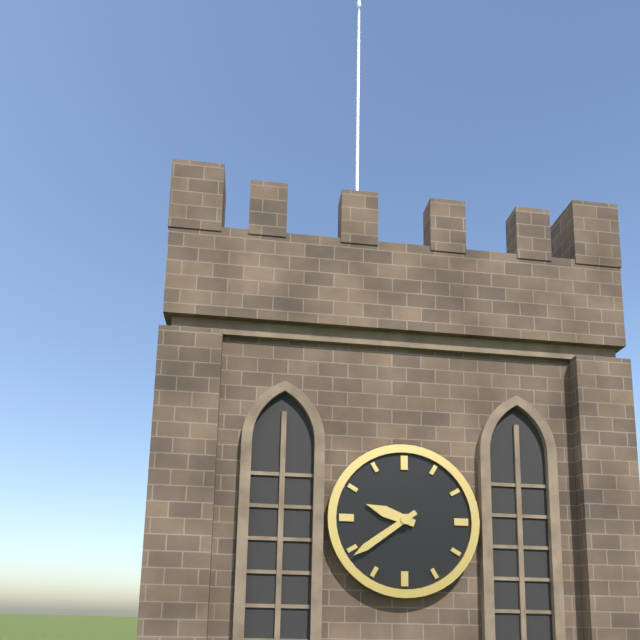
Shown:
9 h 39 min
